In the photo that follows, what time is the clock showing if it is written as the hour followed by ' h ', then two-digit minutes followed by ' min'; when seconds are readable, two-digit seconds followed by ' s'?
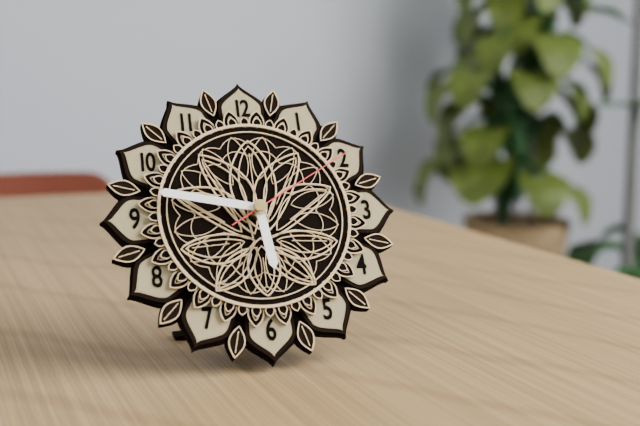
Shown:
5 h 47 min 10 s
